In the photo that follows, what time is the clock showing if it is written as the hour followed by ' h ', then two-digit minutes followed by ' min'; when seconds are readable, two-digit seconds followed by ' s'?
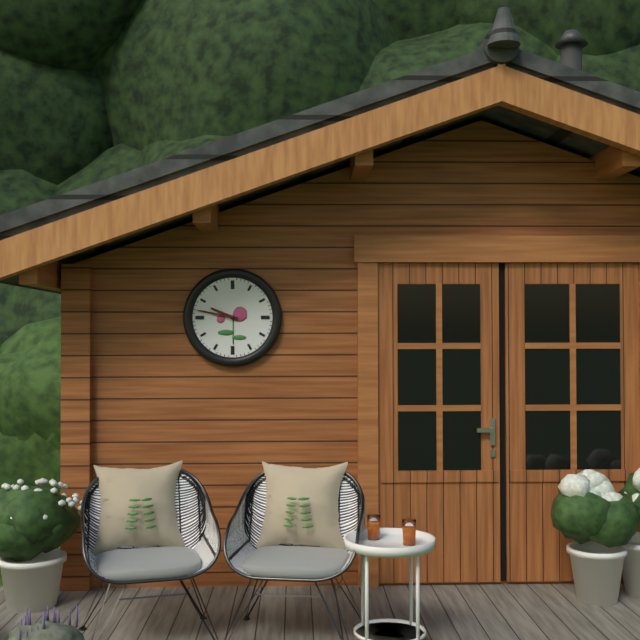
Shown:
9 h 47 min
